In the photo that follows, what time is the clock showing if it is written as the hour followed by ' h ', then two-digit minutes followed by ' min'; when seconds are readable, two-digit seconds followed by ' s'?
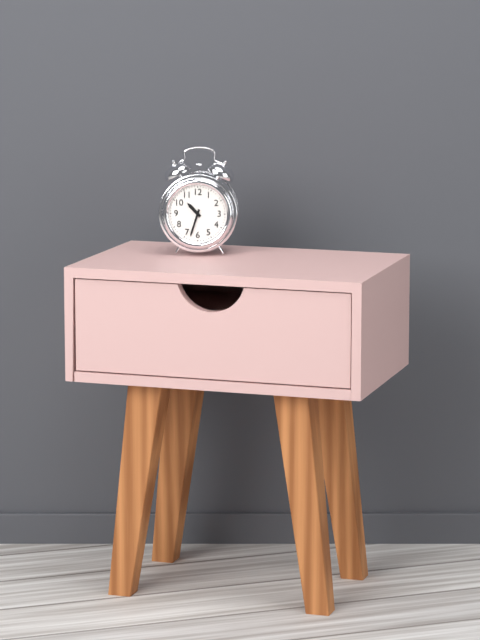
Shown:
10 h 33 min
